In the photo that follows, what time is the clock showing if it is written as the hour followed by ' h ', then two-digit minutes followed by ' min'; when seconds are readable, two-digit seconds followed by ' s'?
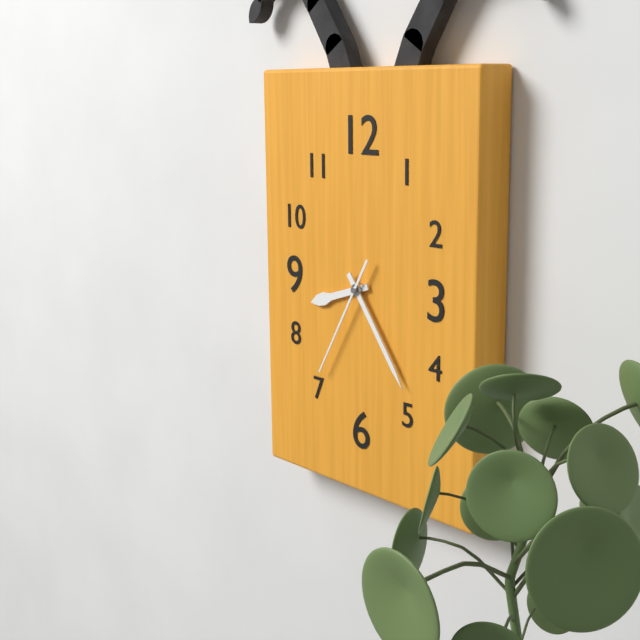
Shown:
8 h 24 min 35 s
